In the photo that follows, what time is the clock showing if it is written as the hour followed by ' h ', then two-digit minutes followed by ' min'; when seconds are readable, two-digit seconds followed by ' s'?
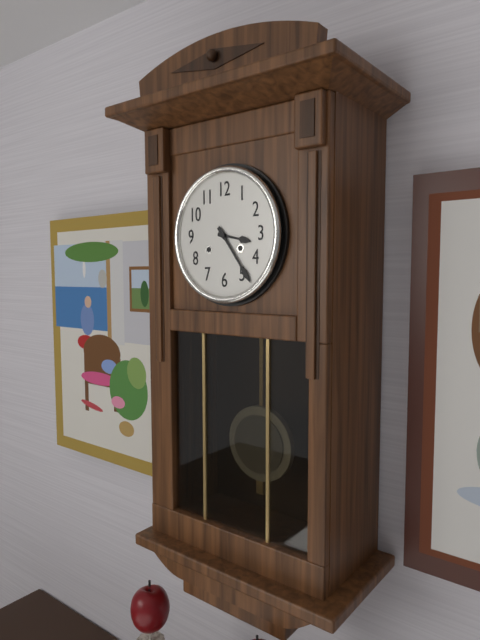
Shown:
3 h 24 min
